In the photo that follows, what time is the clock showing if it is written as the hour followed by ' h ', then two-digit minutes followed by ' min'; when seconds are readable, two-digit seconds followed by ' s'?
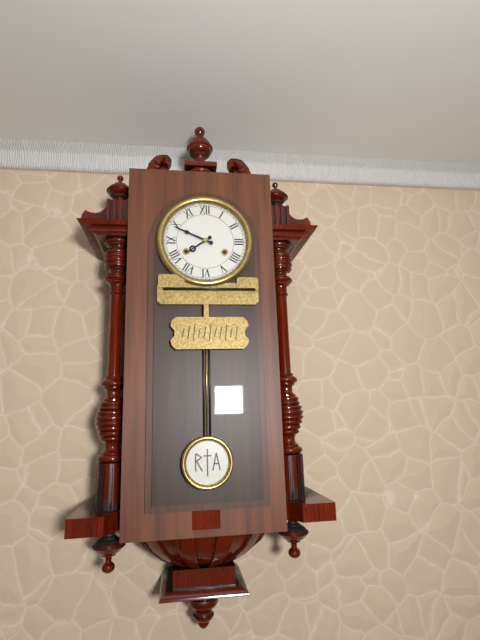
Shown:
7 h 49 min
